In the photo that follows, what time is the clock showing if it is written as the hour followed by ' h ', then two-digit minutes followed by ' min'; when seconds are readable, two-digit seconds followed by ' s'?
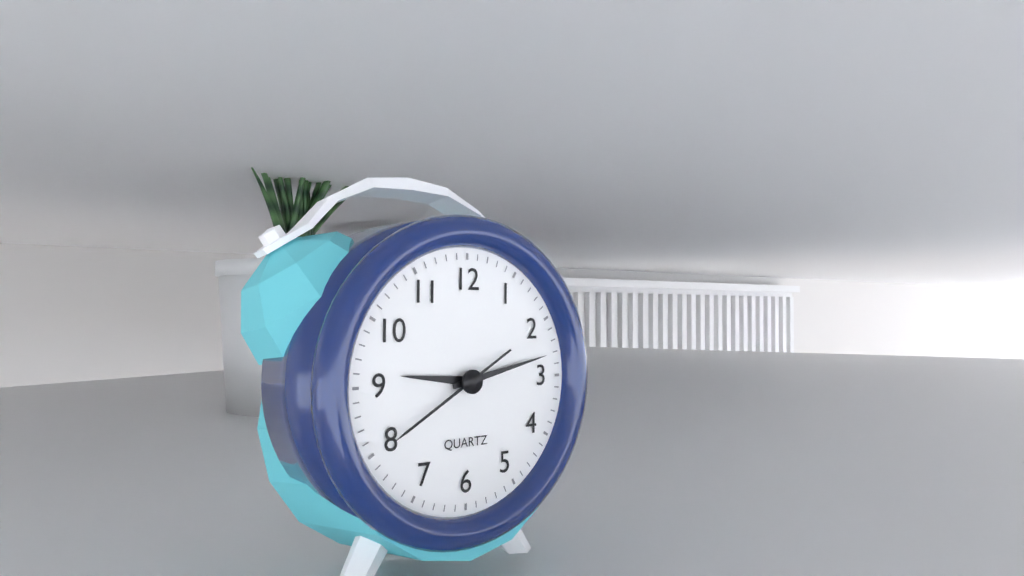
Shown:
9 h 13 min 40 s
